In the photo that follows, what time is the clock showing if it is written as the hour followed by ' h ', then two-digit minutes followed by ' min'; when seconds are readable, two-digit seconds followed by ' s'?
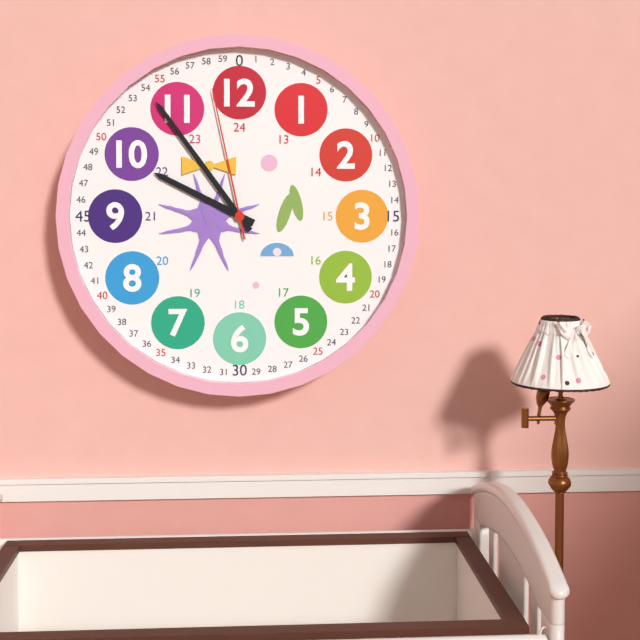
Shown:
9 h 54 min 58 s
